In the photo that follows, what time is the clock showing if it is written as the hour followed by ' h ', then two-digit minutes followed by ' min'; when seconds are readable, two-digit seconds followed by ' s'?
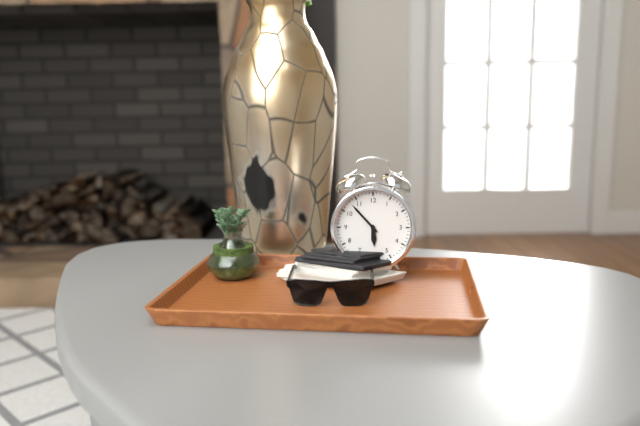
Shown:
5 h 53 min
